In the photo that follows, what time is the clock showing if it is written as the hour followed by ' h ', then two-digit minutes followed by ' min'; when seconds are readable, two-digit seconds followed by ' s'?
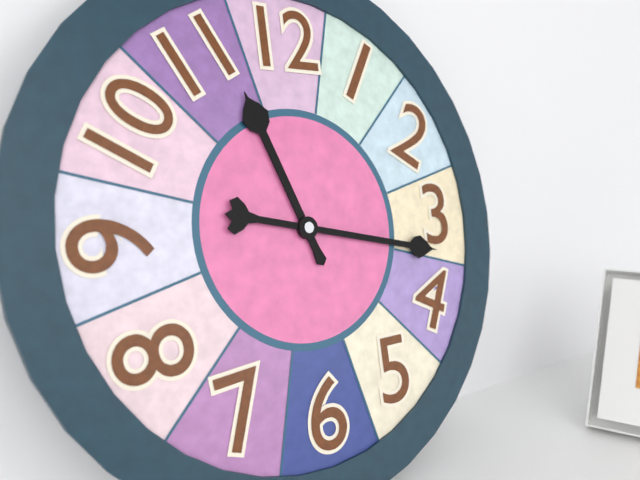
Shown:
11 h 17 min
